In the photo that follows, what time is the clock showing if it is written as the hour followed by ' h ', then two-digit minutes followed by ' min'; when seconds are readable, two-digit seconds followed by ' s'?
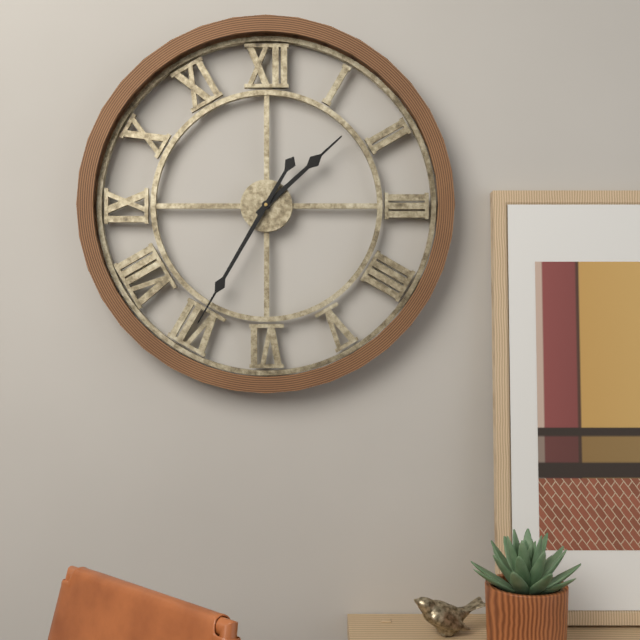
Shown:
1 h 35 min
